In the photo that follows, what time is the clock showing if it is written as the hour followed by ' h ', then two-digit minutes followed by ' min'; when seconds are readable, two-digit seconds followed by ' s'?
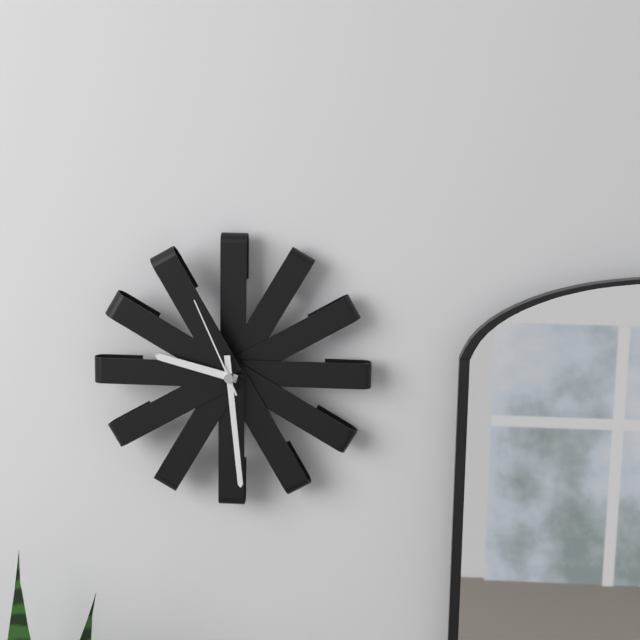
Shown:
9 h 29 min 56 s
